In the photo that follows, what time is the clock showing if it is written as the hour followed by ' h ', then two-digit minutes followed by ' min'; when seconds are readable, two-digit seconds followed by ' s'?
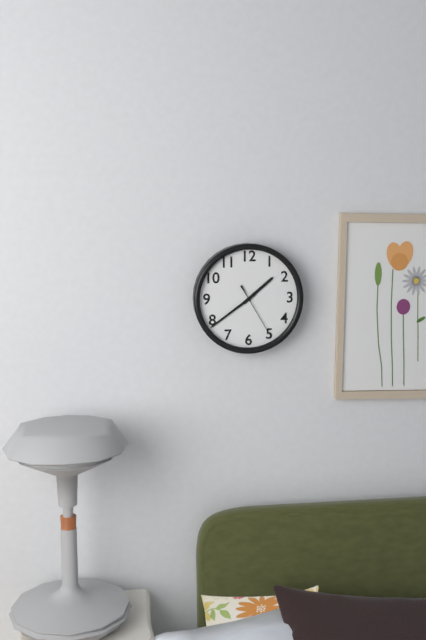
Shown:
1 h 39 min 25 s
